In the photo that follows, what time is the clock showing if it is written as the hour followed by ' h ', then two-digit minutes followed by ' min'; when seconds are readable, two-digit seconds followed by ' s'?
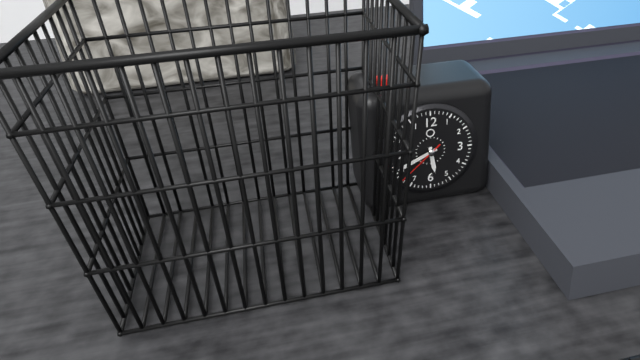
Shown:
5 h 41 min 38 s
